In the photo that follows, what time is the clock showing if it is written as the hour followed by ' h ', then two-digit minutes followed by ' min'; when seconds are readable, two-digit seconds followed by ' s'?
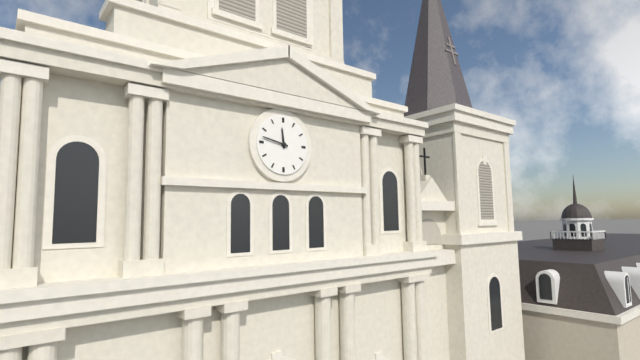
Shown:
11 h 47 min
